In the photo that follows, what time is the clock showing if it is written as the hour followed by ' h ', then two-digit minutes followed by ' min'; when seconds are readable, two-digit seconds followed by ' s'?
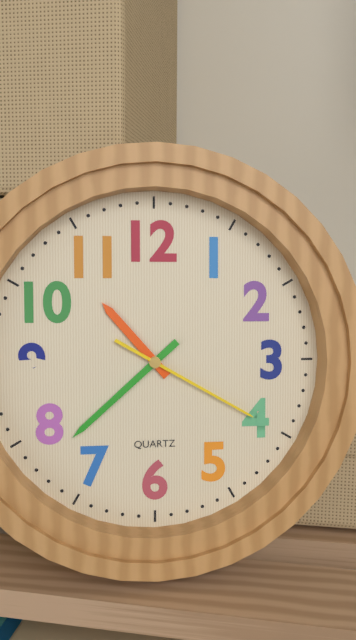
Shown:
10 h 38 min 20 s
